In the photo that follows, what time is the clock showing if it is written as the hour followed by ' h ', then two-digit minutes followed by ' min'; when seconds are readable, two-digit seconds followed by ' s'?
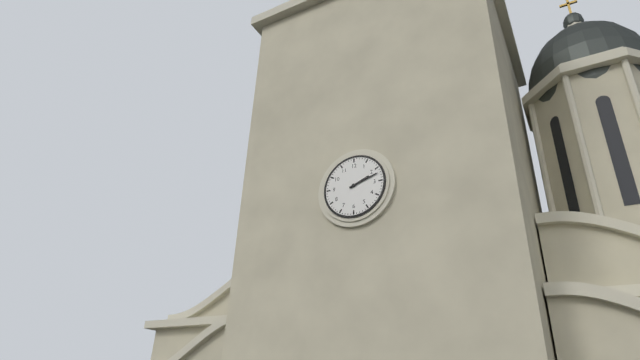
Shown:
2 h 12 min
